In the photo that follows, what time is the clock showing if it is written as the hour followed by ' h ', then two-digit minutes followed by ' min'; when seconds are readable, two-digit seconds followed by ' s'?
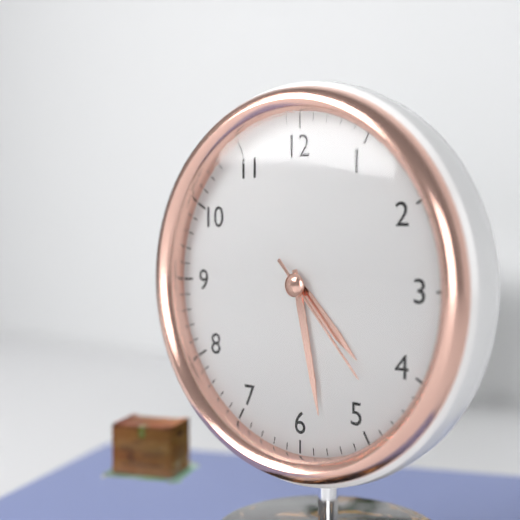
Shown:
4 h 28 min 23 s
